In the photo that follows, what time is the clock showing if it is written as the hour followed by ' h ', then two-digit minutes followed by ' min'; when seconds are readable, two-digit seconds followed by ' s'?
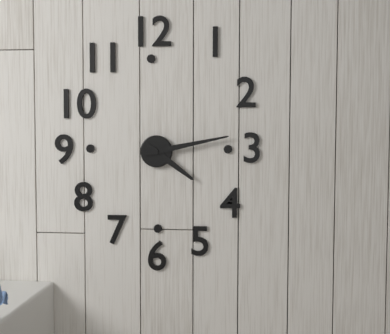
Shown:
4 h 13 min
